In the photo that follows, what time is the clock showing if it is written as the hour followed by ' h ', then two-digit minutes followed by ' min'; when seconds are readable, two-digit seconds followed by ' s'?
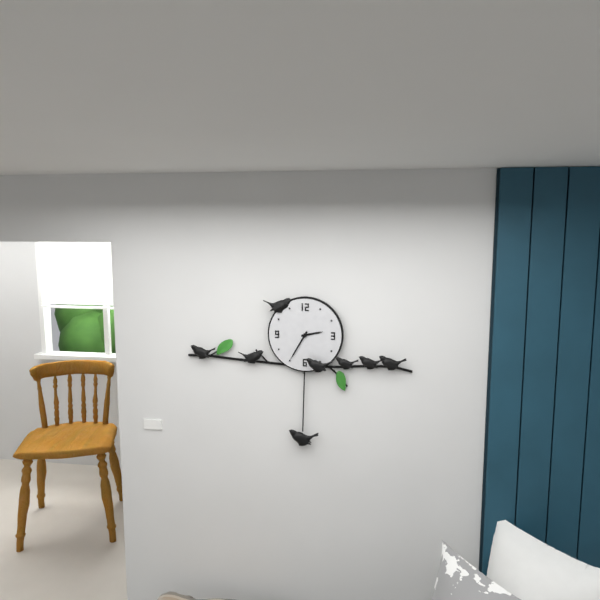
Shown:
2 h 35 min
